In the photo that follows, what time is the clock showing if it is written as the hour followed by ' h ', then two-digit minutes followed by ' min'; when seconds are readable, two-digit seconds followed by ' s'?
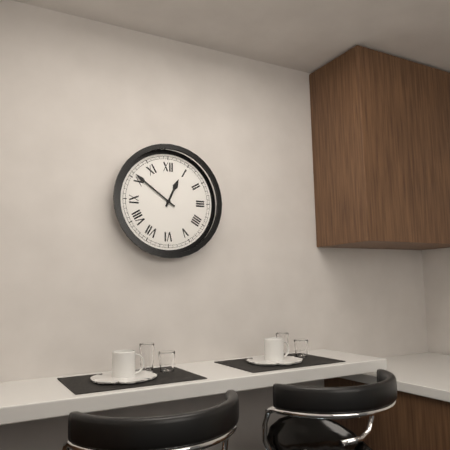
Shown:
12 h 51 min
